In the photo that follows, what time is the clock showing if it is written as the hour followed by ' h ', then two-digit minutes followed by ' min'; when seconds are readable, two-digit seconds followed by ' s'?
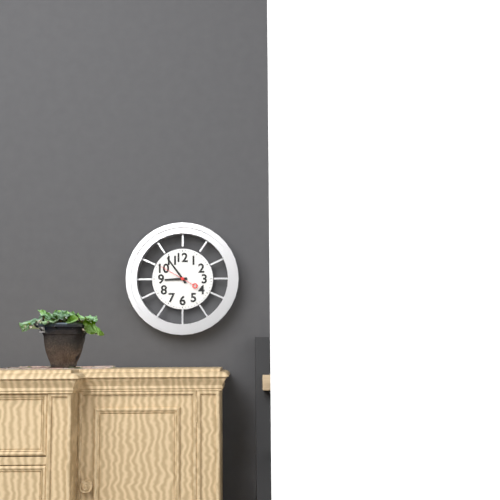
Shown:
8 h 54 min
